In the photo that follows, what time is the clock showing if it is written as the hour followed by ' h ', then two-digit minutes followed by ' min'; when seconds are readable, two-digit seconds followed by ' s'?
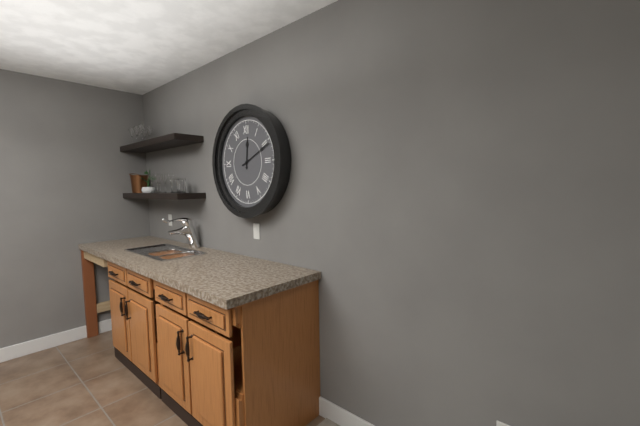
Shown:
12 h 11 min
